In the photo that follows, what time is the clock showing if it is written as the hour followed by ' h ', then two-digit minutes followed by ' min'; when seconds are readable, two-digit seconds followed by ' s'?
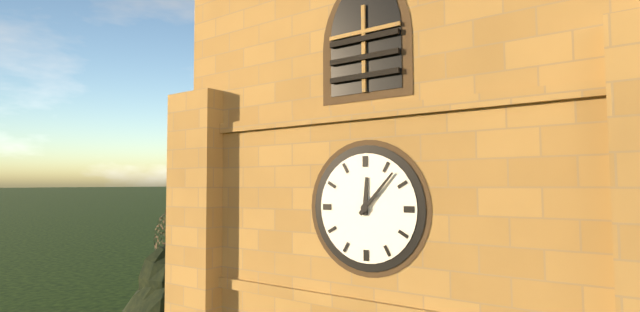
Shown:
12 h 07 min
